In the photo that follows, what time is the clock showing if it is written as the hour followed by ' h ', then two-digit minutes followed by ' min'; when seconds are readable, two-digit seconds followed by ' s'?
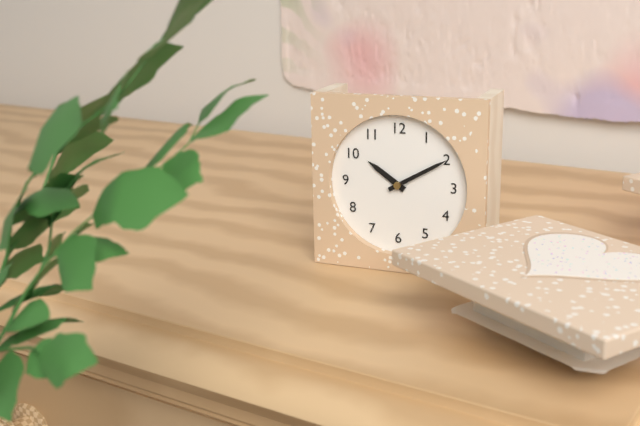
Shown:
10 h 10 min
